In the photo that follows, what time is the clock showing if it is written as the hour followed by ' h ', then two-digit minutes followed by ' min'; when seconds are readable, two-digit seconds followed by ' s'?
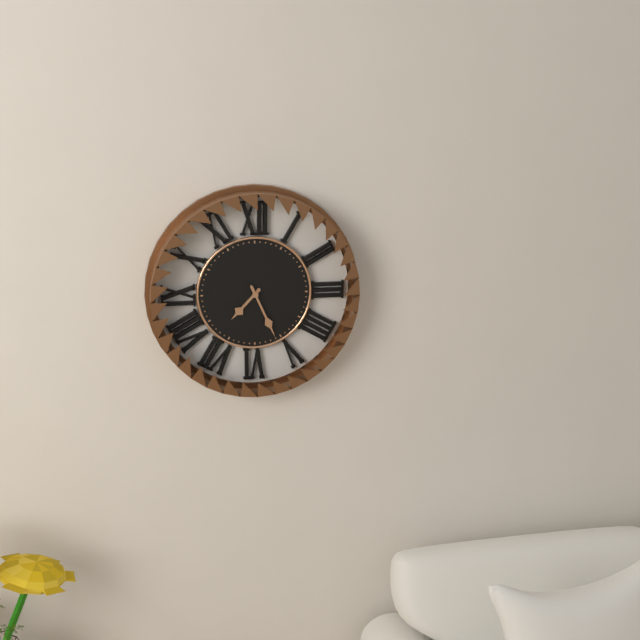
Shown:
7 h 26 min
